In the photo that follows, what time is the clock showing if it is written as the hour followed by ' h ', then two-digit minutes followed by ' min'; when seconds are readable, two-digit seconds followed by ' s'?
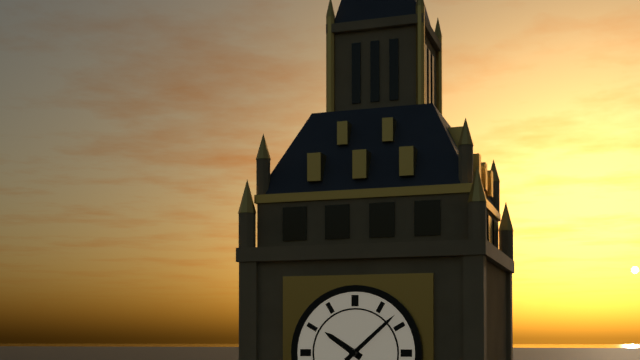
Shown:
10 h 08 min
